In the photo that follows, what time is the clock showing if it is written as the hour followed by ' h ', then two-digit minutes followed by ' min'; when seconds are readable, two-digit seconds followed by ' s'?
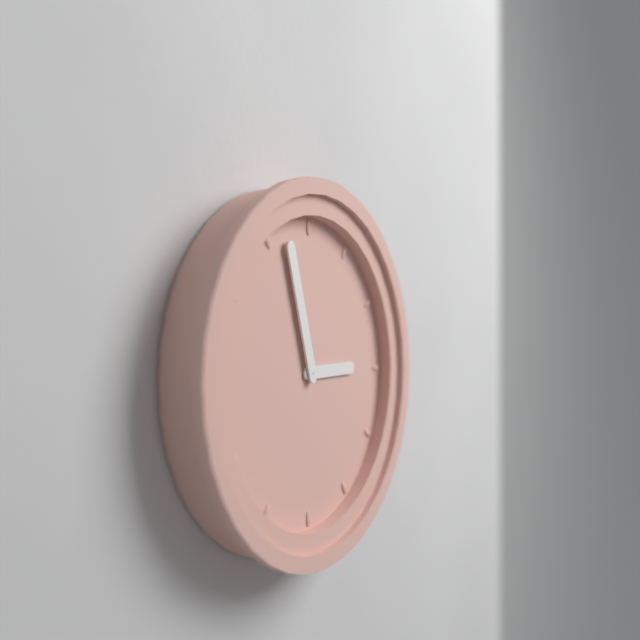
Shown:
2 h 57 min
